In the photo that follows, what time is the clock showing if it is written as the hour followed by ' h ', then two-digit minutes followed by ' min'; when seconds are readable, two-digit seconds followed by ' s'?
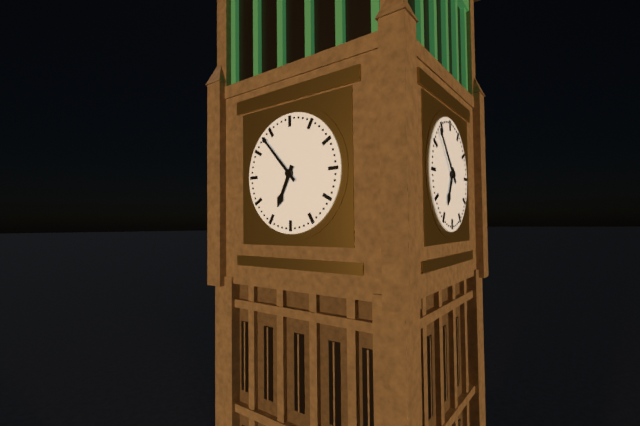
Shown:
6 h 53 min
